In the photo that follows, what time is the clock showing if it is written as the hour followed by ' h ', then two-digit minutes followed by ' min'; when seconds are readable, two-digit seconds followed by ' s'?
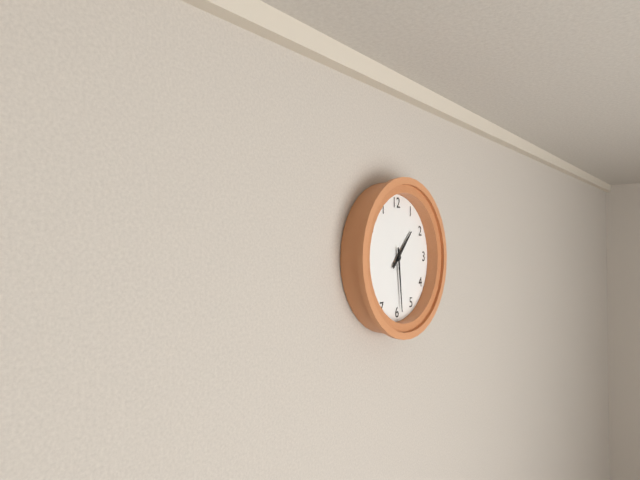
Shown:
1 h 29 min
